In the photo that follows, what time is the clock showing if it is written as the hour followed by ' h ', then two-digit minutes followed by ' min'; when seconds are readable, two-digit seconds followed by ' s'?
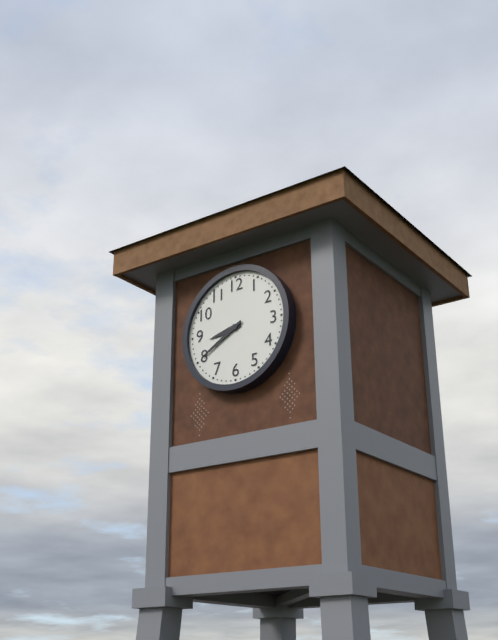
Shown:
8 h 40 min
